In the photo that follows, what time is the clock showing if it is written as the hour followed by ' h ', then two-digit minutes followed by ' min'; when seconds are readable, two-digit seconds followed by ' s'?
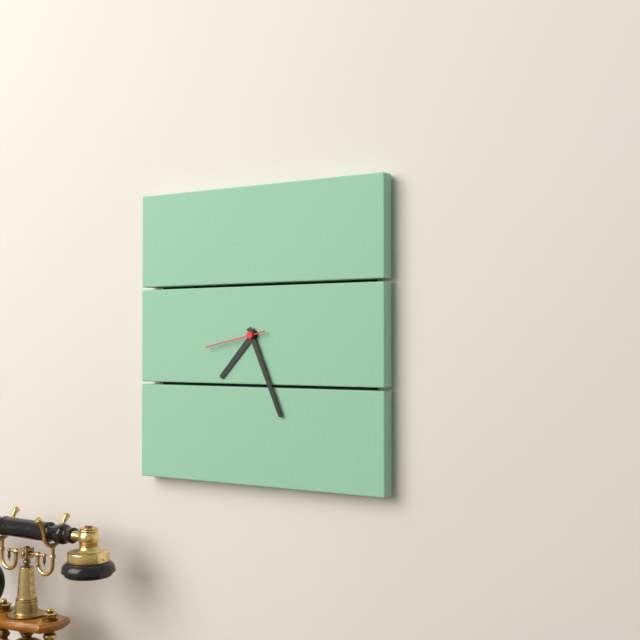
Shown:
7 h 26 min 43 s
